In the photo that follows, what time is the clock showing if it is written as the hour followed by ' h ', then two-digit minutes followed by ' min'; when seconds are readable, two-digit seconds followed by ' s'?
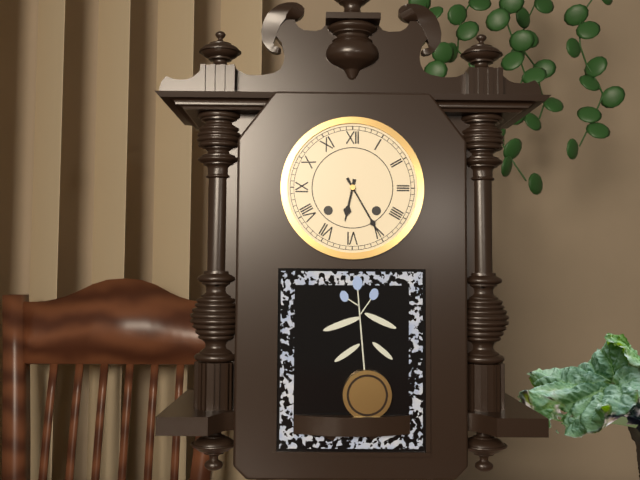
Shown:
6 h 25 min
